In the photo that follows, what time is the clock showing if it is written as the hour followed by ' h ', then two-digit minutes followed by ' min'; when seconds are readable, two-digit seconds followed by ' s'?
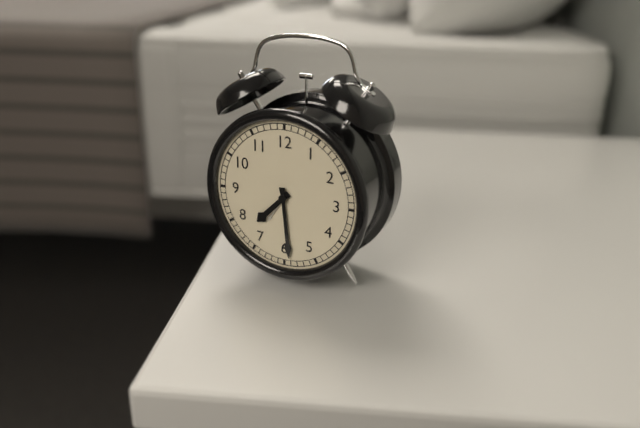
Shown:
7 h 29 min
